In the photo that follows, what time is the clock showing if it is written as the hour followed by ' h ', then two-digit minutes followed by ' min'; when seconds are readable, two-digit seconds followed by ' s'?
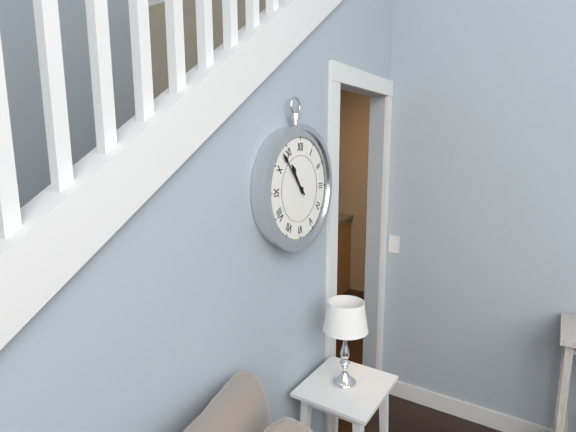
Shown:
10 h 53 min
